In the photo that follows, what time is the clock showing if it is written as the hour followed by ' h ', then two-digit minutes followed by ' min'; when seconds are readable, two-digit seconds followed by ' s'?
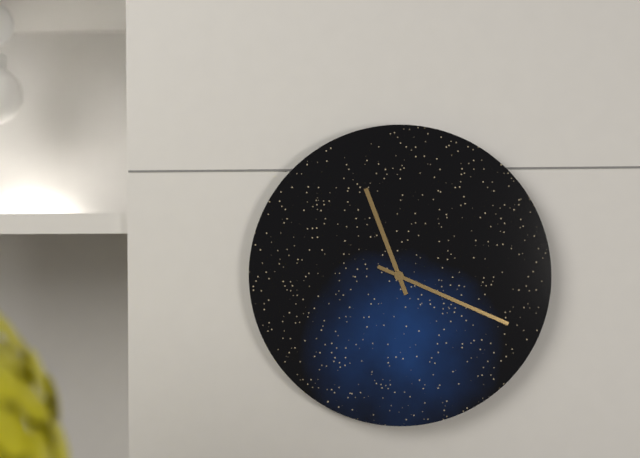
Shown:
11 h 19 min
